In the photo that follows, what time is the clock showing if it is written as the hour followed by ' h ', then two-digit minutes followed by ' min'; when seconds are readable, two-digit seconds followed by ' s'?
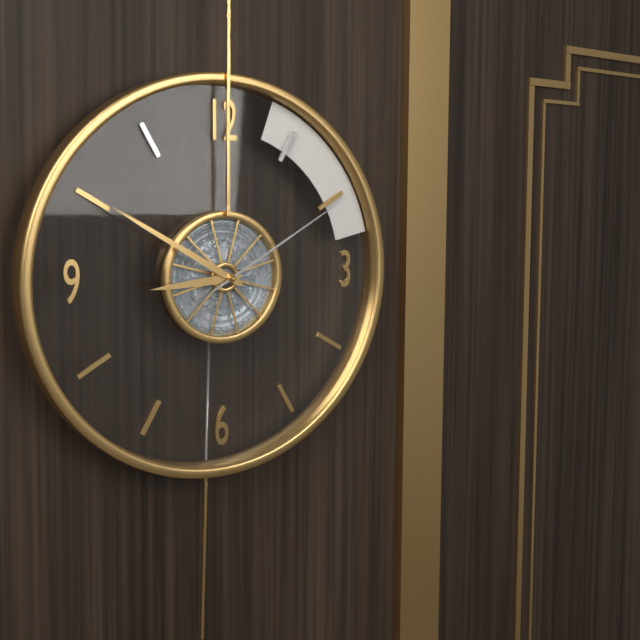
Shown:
8 h 50 min 10 s
